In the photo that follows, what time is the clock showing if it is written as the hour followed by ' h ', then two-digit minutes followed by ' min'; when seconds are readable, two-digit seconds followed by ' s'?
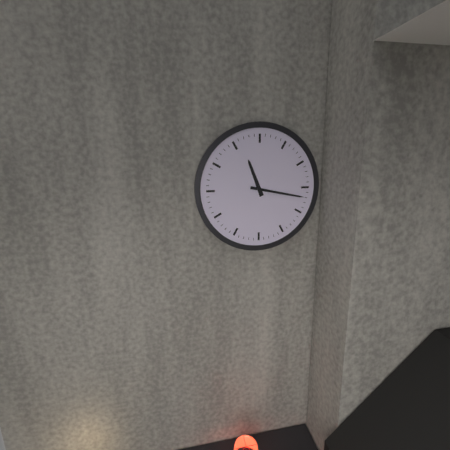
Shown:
11 h 17 min
